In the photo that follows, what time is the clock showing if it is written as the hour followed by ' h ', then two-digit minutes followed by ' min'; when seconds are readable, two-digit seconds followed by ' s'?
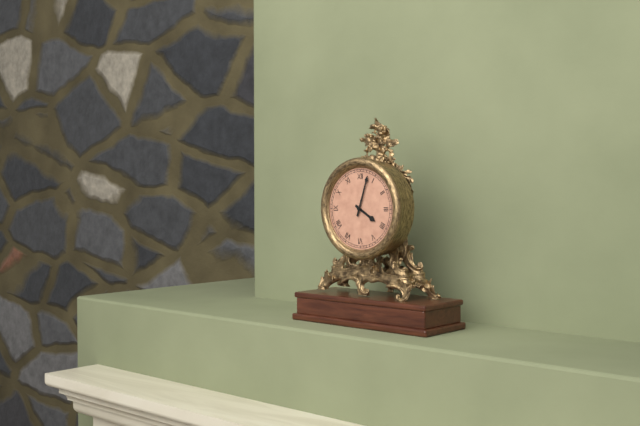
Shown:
4 h 03 min
